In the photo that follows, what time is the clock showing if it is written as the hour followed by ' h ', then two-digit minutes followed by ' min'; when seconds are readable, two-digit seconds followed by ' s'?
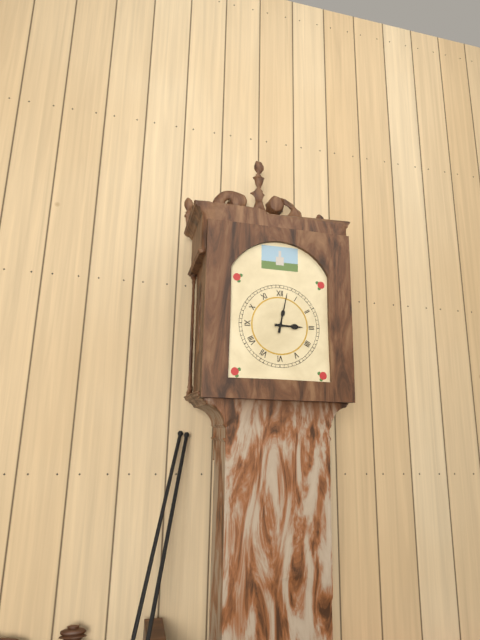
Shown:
3 h 02 min
